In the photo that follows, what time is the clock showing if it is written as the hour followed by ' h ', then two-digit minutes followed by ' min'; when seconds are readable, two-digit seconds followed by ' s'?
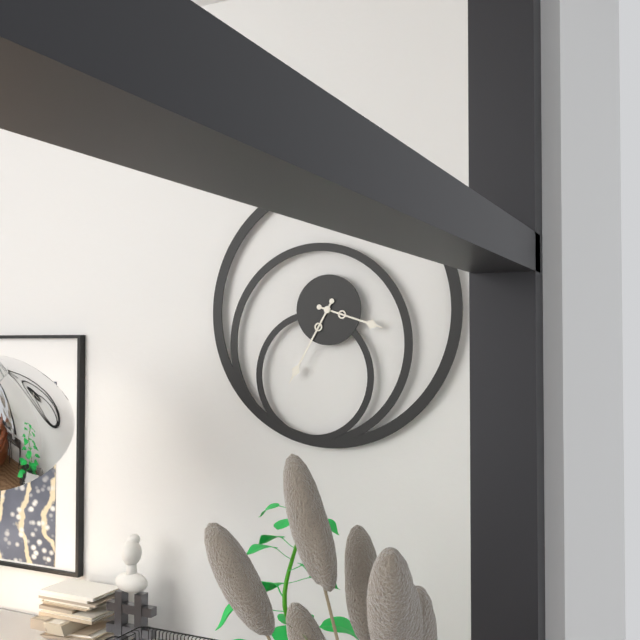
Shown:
3 h 35 min
